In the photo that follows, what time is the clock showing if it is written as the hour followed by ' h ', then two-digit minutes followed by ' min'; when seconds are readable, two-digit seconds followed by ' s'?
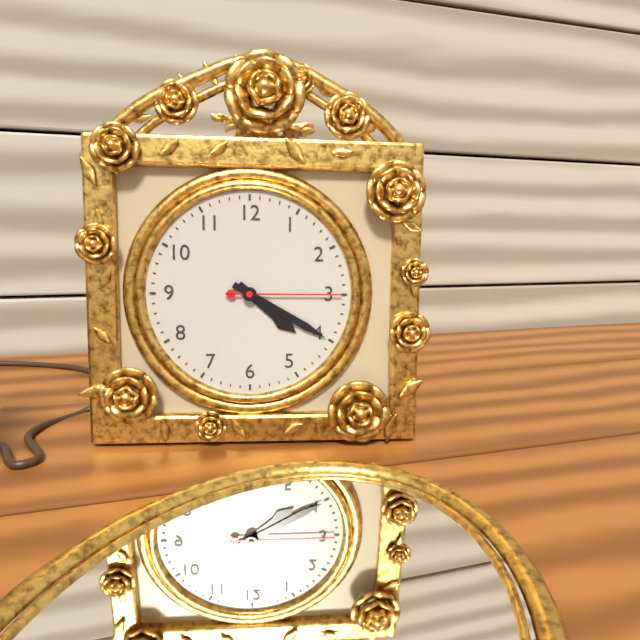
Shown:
4 h 20 min 15 s
